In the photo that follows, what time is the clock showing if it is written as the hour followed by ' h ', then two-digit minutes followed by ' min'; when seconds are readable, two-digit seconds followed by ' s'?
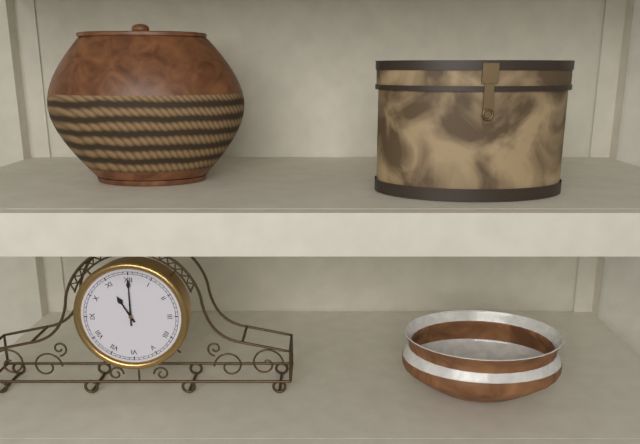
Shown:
11 h 00 min
